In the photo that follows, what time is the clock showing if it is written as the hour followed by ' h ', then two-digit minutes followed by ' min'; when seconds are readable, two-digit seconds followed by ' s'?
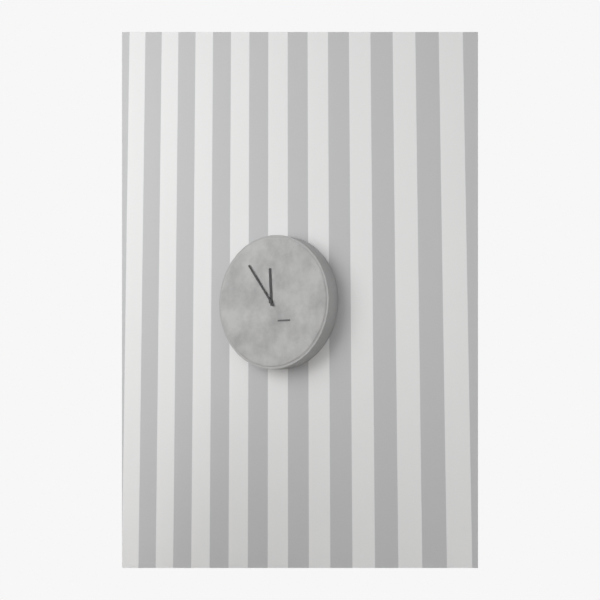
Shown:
11 h 54 min
